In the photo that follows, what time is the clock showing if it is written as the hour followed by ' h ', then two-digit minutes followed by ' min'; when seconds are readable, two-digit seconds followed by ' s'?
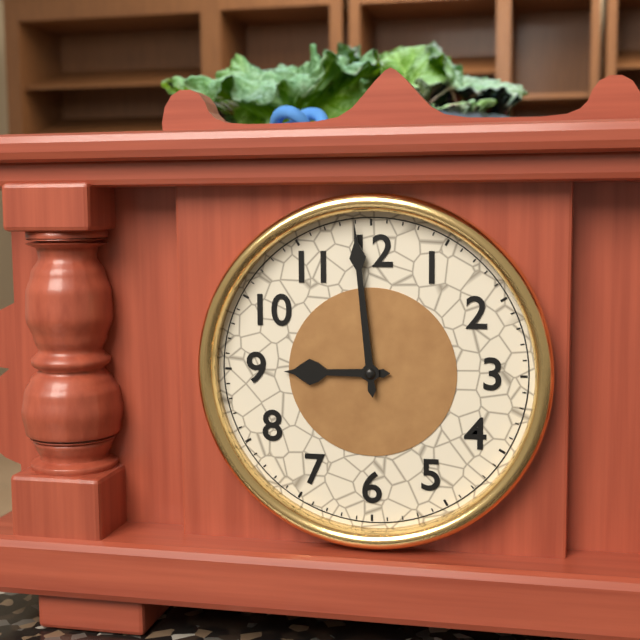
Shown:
8 h 59 min
